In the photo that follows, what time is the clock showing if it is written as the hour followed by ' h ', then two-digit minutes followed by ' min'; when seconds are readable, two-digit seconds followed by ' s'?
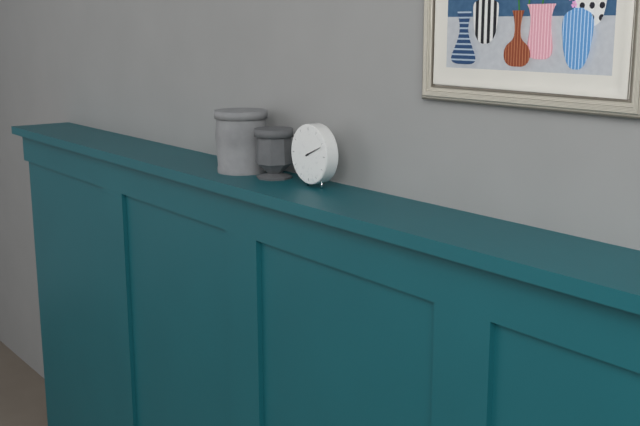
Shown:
2 h 11 min
